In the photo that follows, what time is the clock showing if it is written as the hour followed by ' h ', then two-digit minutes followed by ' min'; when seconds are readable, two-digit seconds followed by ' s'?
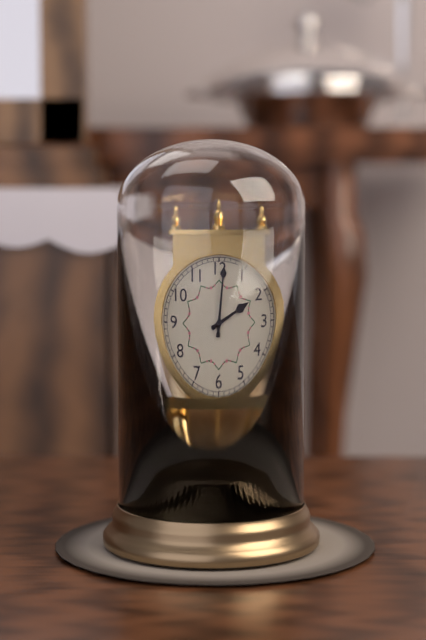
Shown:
2 h 01 min
